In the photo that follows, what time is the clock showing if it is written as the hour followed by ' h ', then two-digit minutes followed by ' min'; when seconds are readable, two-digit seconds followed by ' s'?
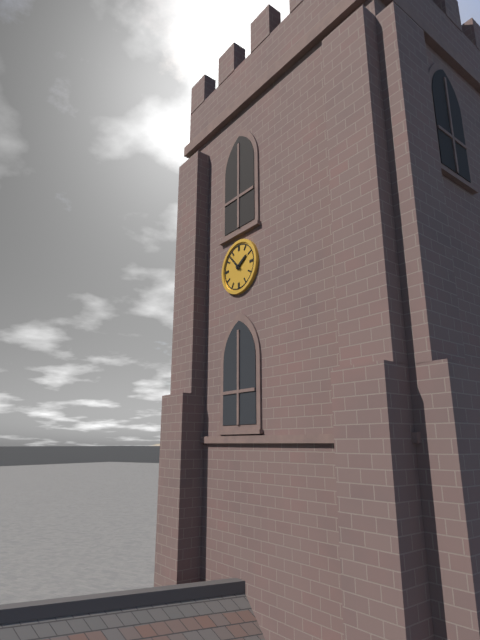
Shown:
1 h 53 min
